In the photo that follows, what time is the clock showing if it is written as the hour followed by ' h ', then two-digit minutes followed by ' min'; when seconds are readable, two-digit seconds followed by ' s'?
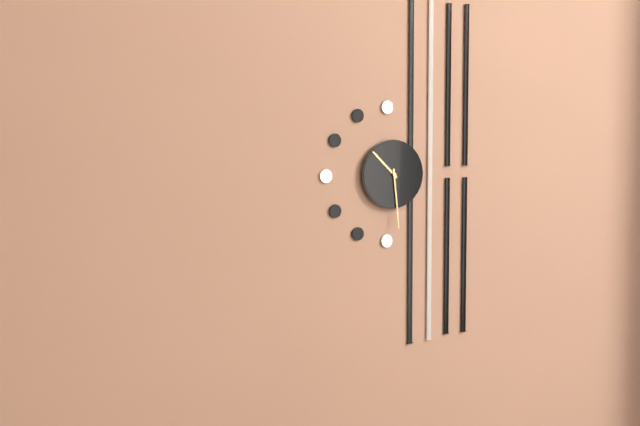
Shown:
10 h 29 min
